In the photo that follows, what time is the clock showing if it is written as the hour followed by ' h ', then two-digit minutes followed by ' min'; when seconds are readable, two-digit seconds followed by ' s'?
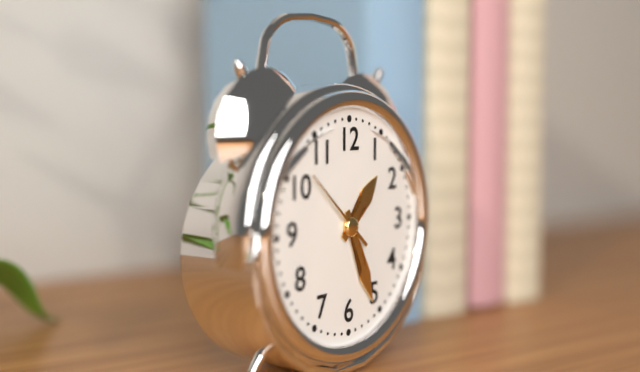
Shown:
1 h 26 min 52 s
